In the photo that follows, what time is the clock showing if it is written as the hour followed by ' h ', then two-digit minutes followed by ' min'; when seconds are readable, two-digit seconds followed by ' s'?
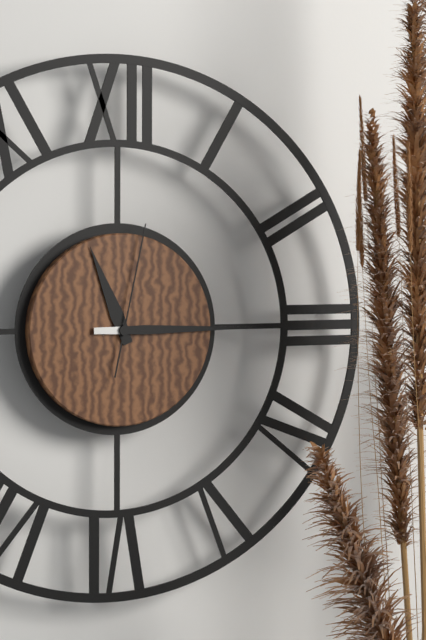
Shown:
11 h 15 min 02 s
